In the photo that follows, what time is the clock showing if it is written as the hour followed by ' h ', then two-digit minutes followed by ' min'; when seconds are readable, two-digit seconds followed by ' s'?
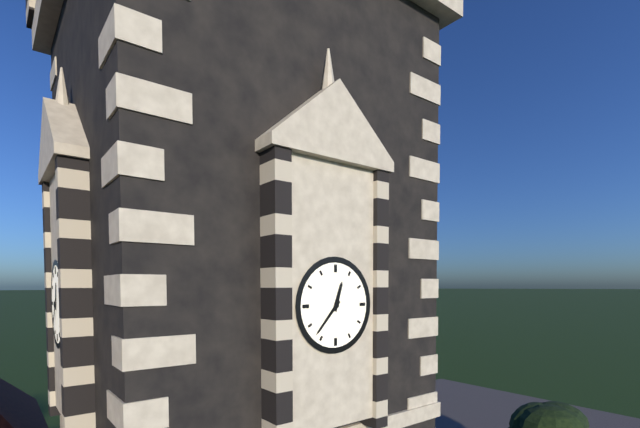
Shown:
12 h 37 min
